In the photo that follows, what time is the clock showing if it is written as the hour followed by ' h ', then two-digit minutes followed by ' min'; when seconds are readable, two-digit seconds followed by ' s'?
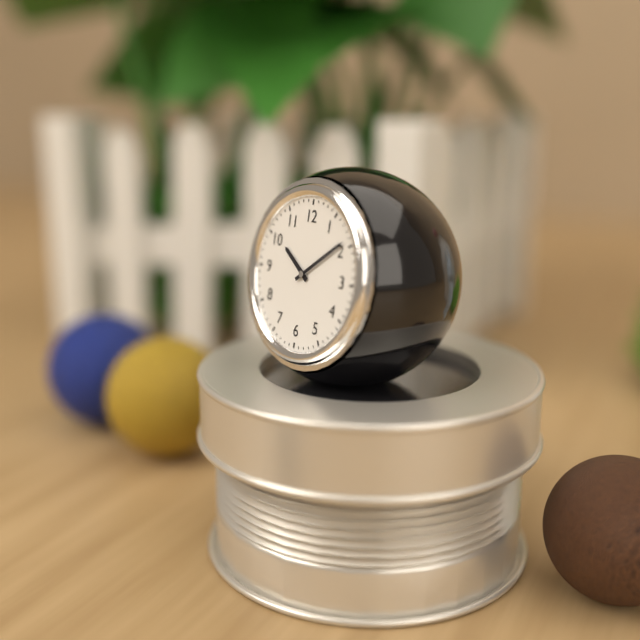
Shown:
10 h 09 min
